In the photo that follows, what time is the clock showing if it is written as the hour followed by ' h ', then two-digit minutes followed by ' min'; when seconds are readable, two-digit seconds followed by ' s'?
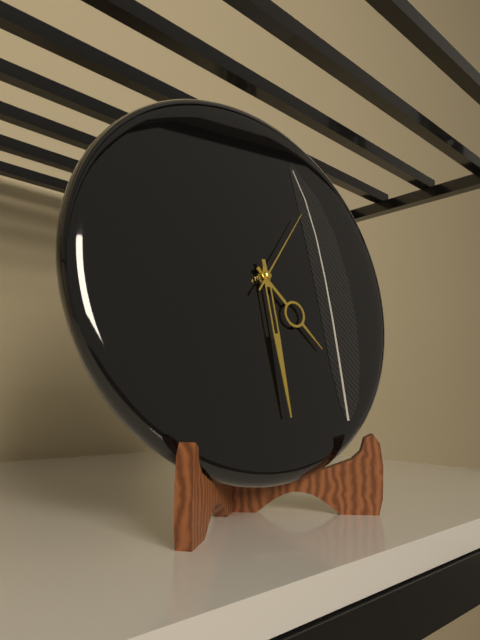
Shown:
4 h 29 min 06 s
